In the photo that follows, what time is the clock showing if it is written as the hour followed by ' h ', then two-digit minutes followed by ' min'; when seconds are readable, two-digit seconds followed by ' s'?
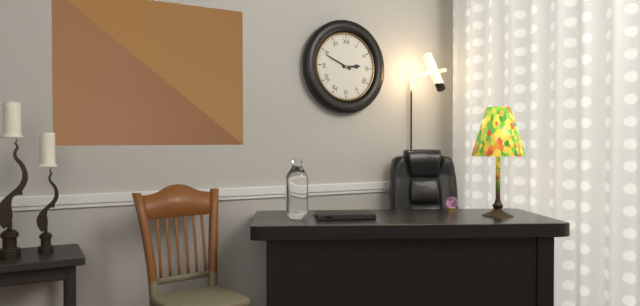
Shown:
2 h 49 min
